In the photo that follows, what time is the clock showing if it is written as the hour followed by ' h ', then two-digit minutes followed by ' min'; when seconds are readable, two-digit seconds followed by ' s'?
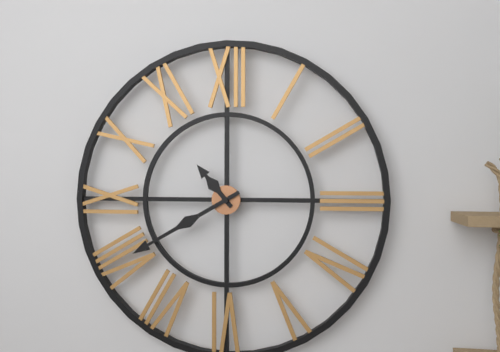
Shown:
10 h 40 min
